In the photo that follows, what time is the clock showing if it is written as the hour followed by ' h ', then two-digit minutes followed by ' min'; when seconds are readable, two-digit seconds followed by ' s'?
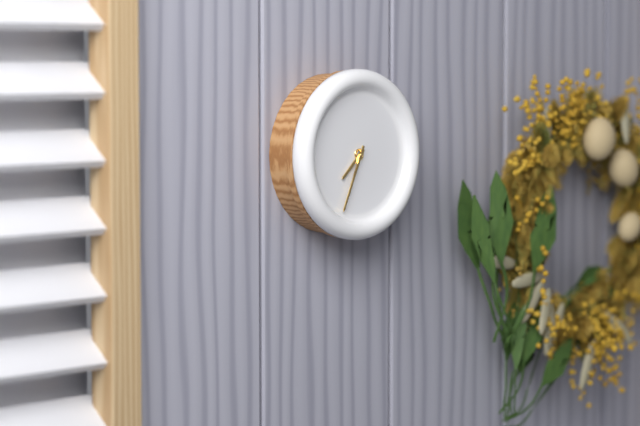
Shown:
7 h 34 min
